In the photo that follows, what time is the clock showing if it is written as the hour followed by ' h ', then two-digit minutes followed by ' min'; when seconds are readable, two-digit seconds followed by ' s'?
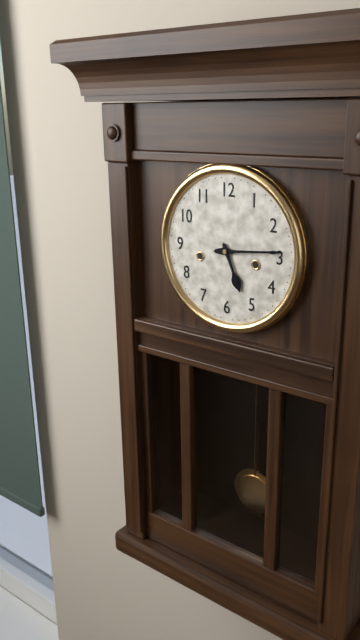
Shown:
5 h 14 min
